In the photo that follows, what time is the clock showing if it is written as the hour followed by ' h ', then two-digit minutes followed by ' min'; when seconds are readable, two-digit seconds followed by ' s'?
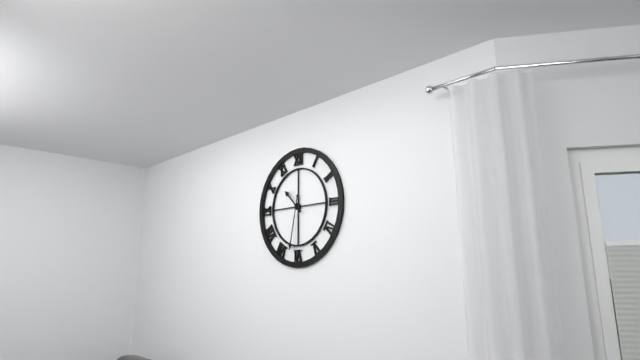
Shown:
10 h 32 min
